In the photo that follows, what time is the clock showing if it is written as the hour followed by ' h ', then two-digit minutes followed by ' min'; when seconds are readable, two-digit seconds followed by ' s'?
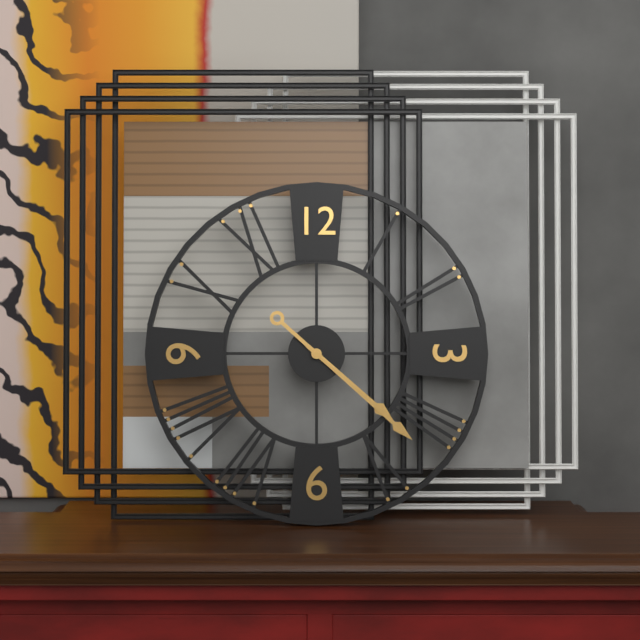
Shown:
4 h 22 min
